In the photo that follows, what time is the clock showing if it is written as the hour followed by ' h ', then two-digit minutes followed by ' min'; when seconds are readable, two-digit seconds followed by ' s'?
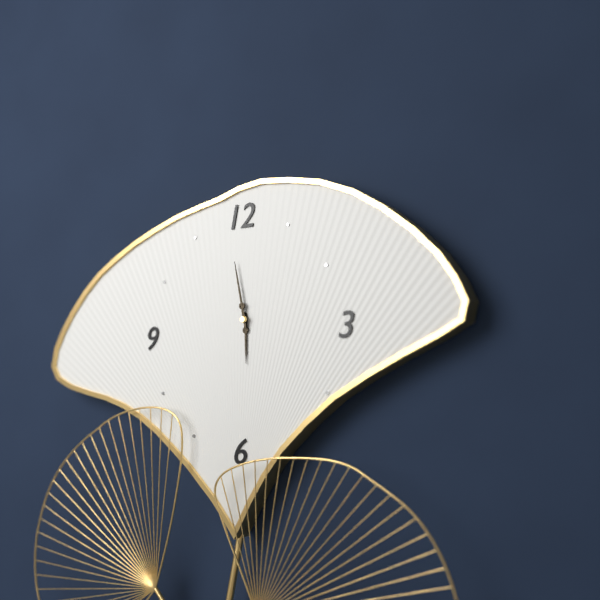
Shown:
5 h 58 min
